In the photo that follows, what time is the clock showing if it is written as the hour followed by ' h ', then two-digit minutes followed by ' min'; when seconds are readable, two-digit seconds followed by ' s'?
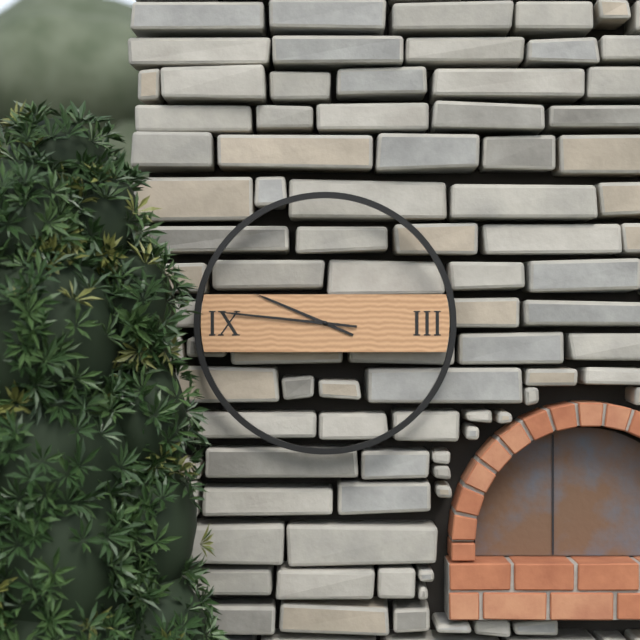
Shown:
9 h 46 min
